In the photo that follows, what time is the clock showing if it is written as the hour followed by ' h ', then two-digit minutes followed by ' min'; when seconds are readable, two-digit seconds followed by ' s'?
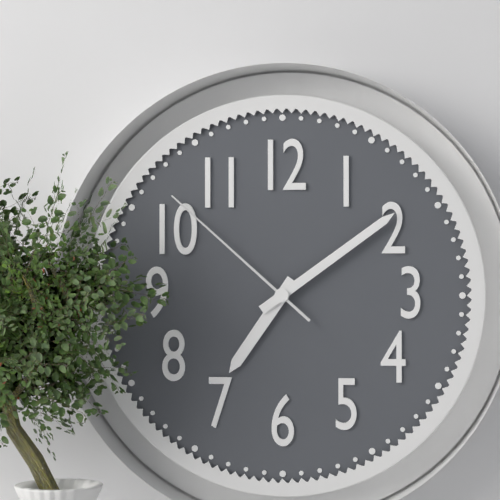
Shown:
7 h 09 min 52 s
